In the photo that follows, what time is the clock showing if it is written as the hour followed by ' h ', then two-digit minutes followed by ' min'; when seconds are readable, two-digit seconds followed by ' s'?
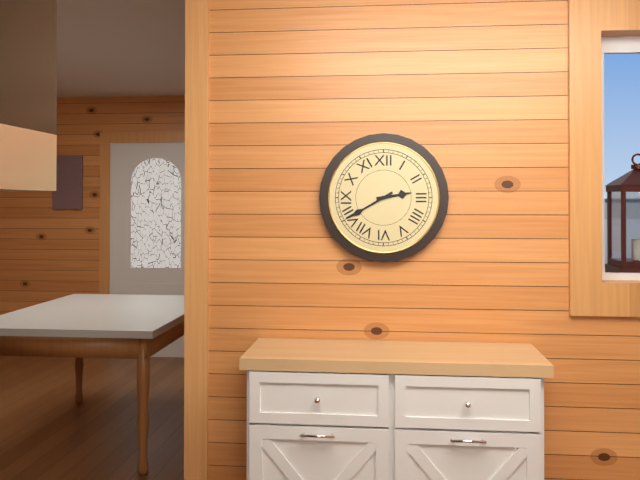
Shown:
2 h 40 min
